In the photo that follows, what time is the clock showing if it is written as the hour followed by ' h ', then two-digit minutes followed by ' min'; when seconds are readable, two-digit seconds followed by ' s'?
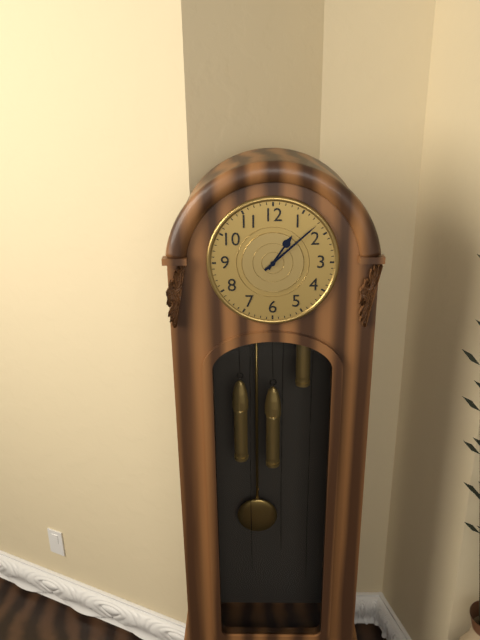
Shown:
1 h 08 min
